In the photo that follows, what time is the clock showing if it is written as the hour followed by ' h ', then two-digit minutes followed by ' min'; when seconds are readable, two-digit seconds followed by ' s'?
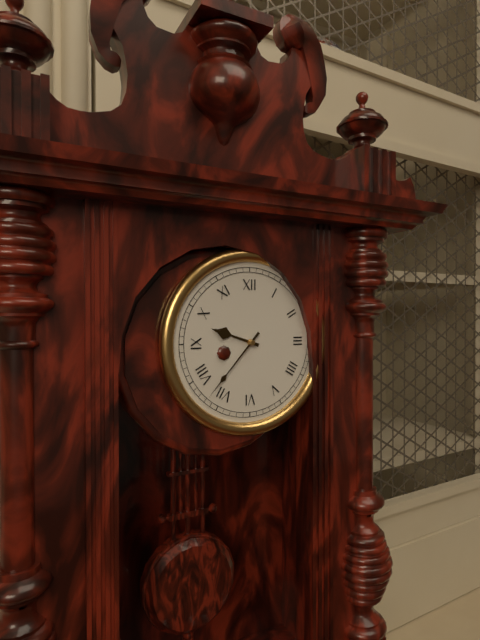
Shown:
9 h 37 min
